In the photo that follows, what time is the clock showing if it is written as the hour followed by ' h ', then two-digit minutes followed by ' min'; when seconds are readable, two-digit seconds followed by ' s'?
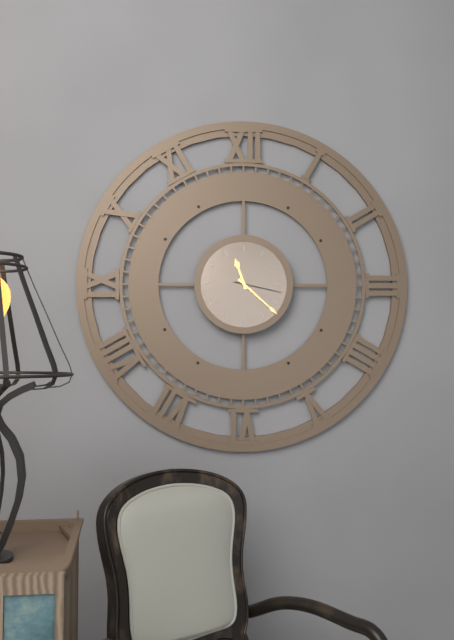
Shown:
11 h 22 min
